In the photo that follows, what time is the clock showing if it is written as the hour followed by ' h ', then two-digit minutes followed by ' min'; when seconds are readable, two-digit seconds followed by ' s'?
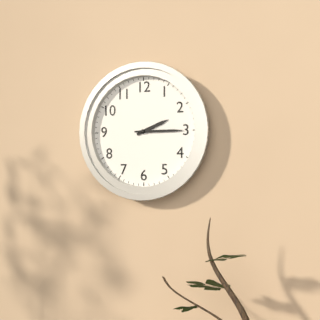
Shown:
2 h 15 min
